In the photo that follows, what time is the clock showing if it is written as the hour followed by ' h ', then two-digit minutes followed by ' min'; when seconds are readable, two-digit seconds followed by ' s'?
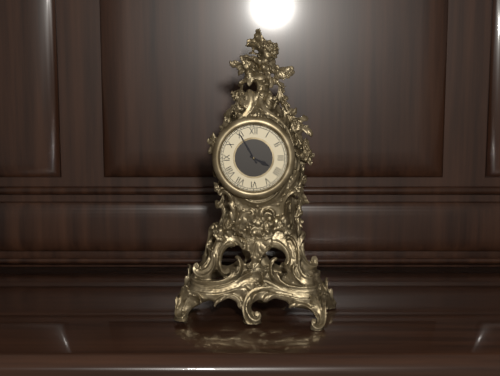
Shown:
3 h 55 min
